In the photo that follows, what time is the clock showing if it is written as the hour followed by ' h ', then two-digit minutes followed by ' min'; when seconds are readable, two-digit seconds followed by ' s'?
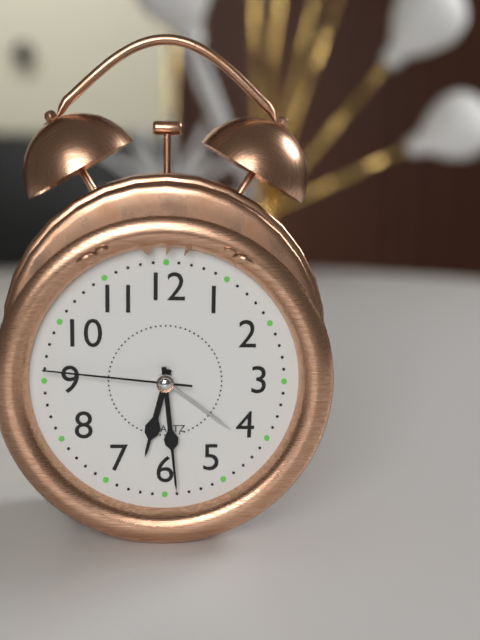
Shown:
6 h 29 min 46 s
